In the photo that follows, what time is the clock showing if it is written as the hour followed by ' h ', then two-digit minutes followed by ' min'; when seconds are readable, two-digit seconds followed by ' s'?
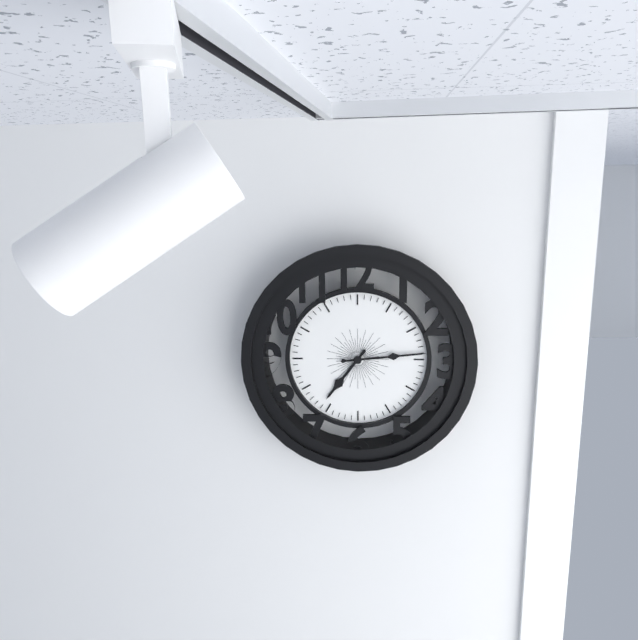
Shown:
7 h 14 min
